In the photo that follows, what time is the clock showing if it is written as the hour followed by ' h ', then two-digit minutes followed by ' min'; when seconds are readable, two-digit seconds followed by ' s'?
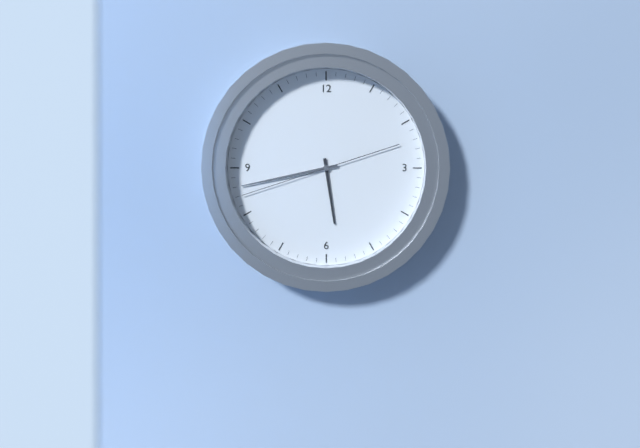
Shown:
5 h 43 min 42 s
